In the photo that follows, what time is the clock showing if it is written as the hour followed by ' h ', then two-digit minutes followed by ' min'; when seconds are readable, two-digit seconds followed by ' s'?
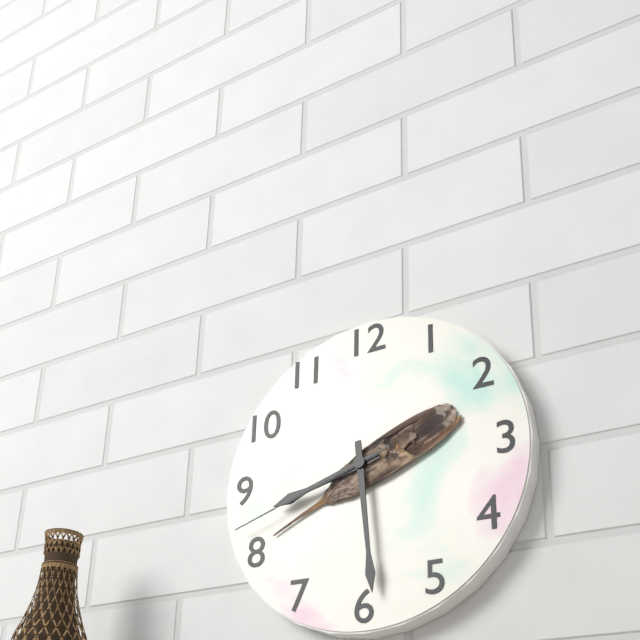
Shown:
8 h 29 min 42 s
